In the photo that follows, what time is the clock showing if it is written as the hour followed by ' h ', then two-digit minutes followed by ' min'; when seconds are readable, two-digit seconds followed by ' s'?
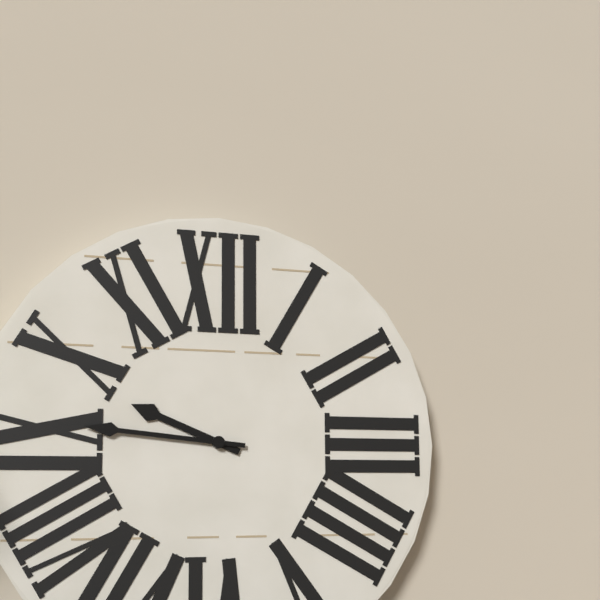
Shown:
9 h 46 min
